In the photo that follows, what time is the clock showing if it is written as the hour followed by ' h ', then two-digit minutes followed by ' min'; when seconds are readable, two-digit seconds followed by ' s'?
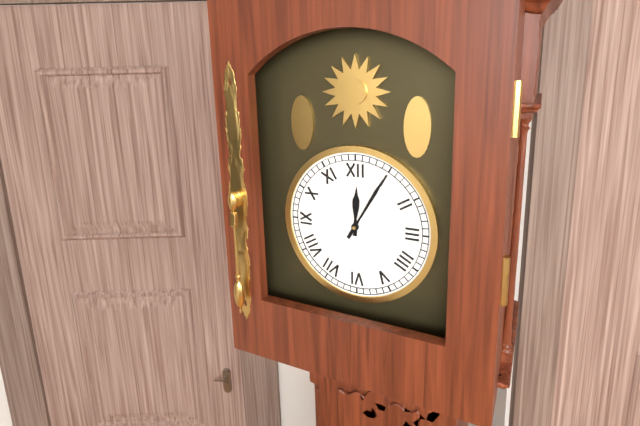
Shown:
12 h 05 min
